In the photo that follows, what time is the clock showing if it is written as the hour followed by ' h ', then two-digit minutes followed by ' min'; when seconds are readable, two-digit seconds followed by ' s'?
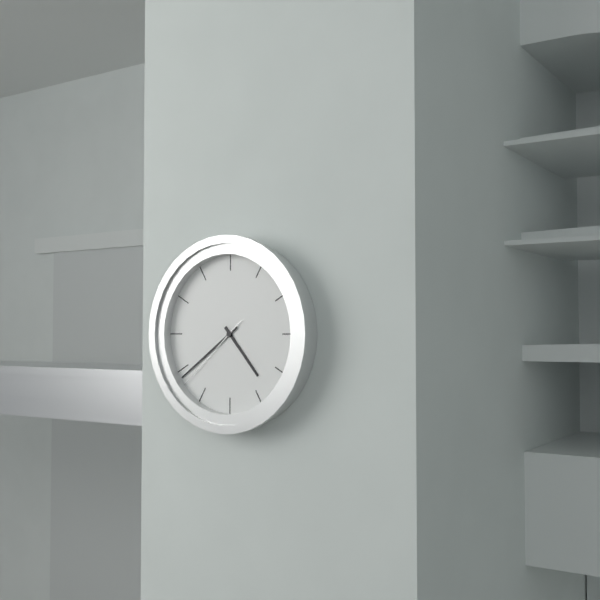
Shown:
4 h 39 min 38 s
